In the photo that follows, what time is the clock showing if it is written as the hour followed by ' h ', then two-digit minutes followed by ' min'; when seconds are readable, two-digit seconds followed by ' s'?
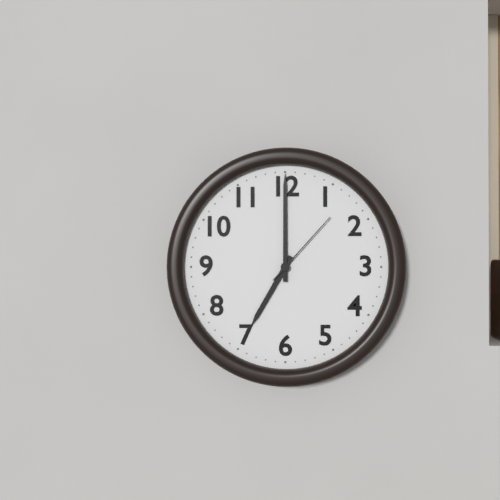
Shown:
7 h 00 min 07 s
